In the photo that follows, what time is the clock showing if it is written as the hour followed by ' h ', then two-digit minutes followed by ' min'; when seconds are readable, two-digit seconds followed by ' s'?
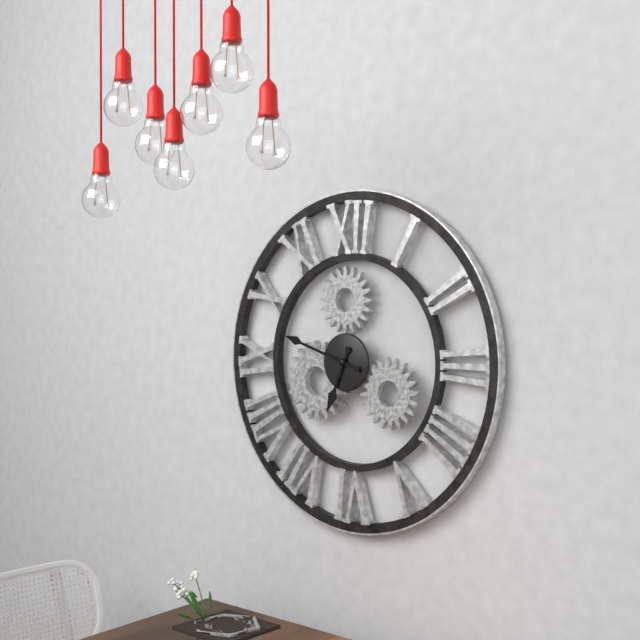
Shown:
6 h 48 min
